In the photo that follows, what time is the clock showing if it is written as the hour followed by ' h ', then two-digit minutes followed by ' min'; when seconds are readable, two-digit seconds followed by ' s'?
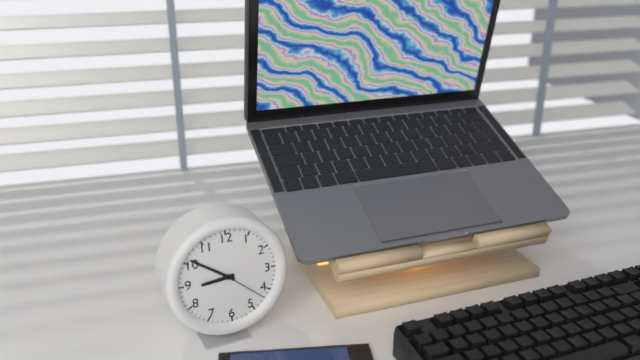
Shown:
8 h 51 min
